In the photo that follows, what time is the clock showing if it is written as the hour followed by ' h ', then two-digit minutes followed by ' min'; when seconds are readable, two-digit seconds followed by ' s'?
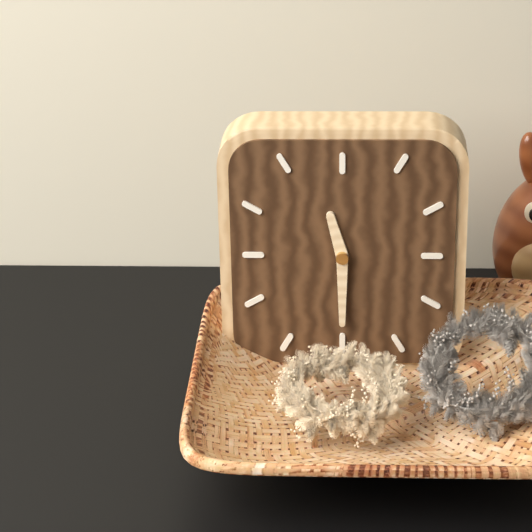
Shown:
11 h 30 min
